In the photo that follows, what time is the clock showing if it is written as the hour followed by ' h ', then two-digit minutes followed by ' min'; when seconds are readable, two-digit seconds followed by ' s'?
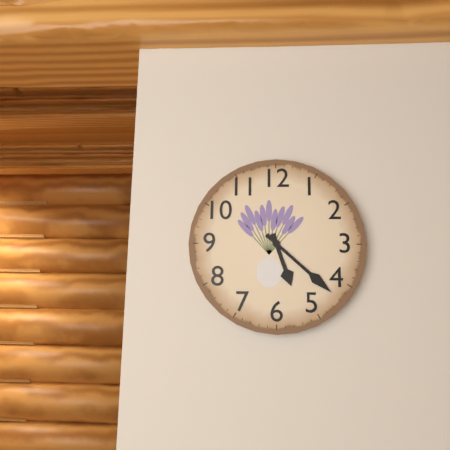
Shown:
5 h 22 min
